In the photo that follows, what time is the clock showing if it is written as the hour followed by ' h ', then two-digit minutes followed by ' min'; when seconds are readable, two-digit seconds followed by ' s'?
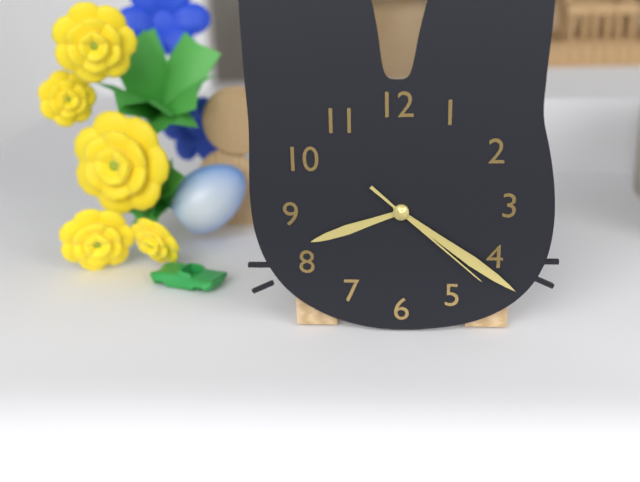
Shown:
8 h 21 min 22 s
